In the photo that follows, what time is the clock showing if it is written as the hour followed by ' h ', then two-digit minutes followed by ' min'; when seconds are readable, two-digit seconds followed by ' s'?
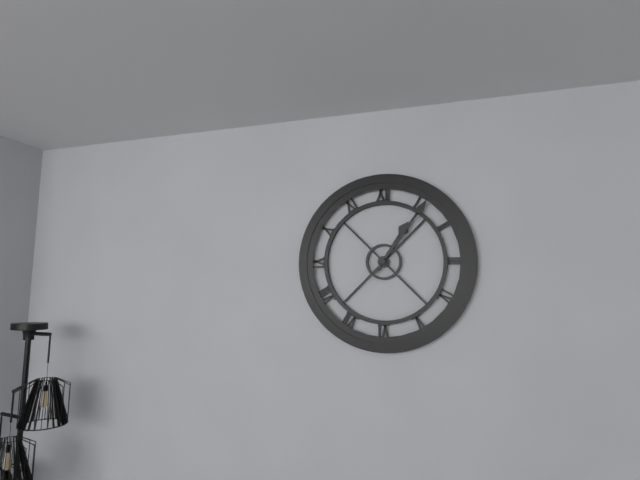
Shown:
1 h 06 min
